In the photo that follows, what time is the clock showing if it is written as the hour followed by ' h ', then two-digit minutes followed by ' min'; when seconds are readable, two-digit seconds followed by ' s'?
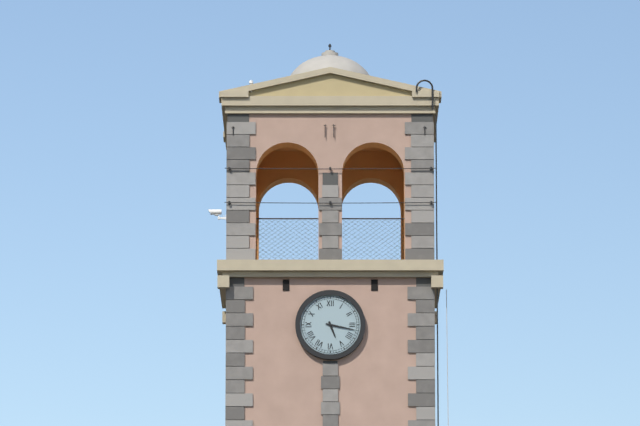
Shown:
5 h 17 min
